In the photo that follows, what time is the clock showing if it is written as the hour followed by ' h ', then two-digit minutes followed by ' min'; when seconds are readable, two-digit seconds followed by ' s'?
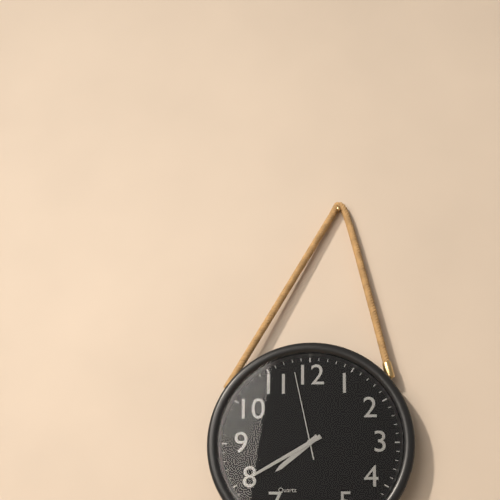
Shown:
7 h 40 min 58 s
